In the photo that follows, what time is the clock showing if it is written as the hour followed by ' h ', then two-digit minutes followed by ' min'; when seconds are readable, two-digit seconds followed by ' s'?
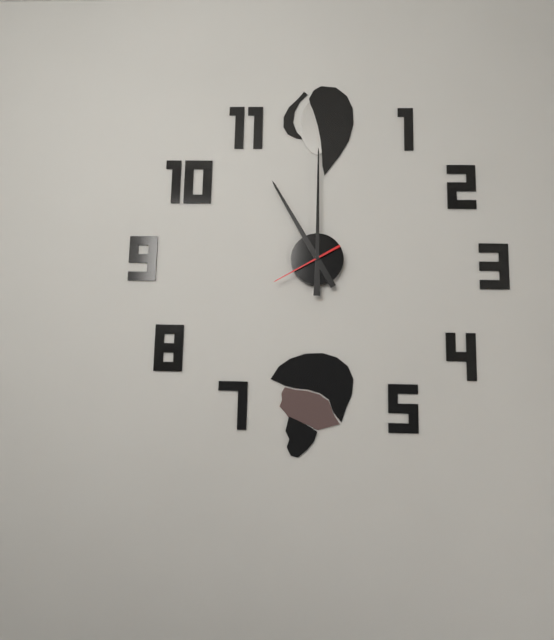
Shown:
11 h 00 min 40 s
